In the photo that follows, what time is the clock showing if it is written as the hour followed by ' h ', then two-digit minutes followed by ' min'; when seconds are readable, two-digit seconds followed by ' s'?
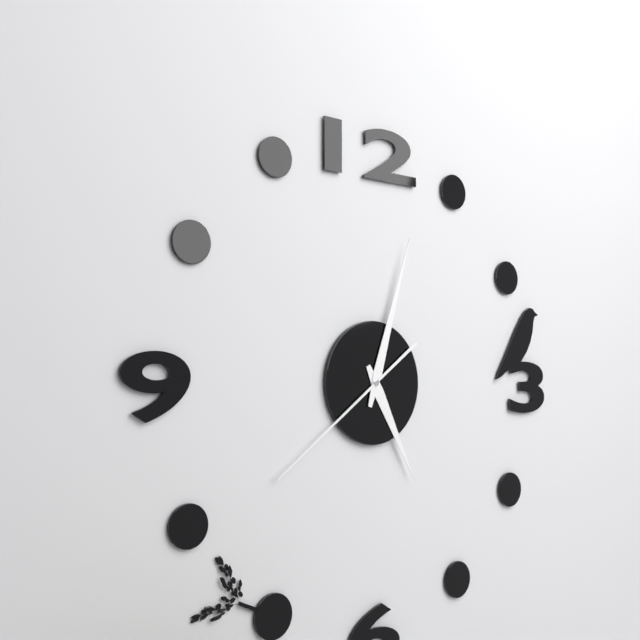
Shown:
5 h 03 min 39 s
